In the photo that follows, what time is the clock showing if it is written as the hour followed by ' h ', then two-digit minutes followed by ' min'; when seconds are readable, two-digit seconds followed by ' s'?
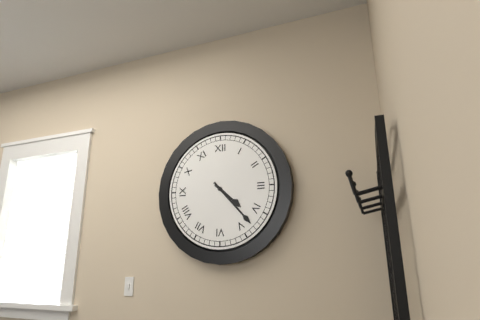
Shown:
4 h 23 min
